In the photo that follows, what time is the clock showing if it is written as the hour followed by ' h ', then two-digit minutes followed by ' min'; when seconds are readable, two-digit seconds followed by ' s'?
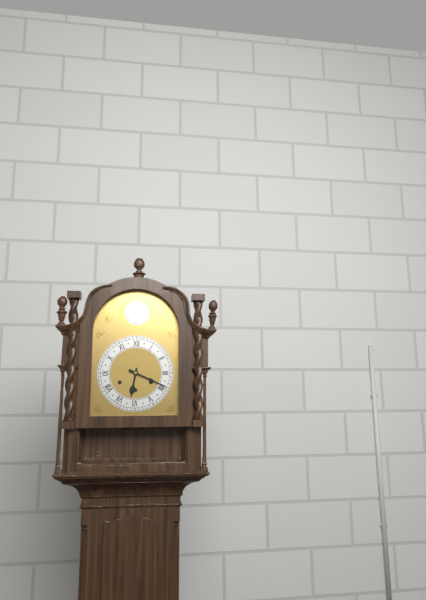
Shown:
6 h 19 min
